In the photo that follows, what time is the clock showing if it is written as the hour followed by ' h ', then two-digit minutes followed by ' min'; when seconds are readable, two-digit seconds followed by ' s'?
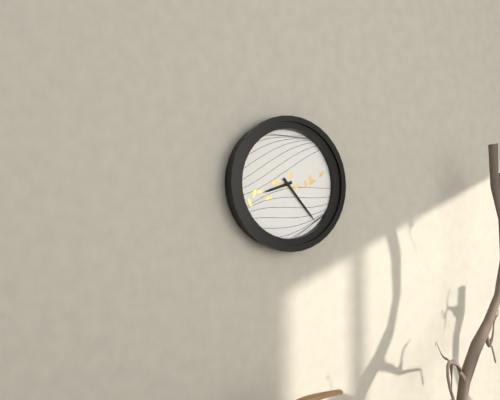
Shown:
8 h 23 min
